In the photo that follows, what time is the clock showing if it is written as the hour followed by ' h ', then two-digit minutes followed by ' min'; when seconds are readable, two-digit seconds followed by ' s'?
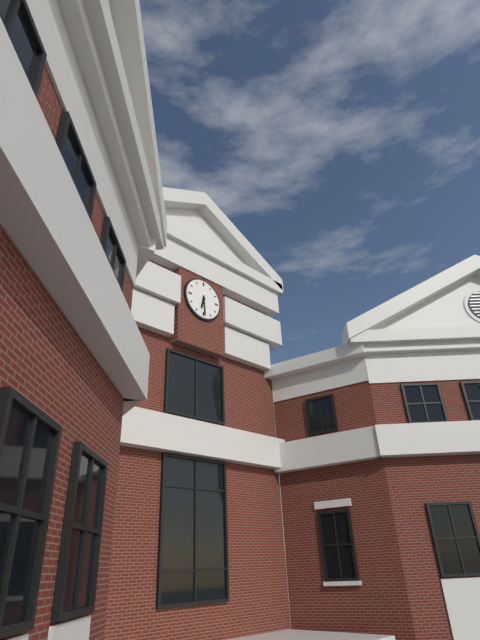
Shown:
6 h 29 min
